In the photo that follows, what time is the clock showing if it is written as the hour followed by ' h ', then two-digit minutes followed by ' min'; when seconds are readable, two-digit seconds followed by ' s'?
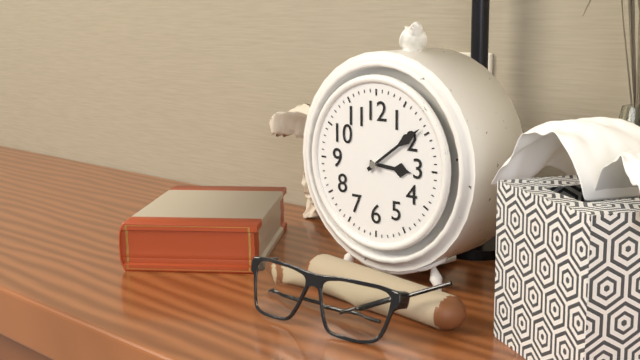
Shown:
3 h 09 min
